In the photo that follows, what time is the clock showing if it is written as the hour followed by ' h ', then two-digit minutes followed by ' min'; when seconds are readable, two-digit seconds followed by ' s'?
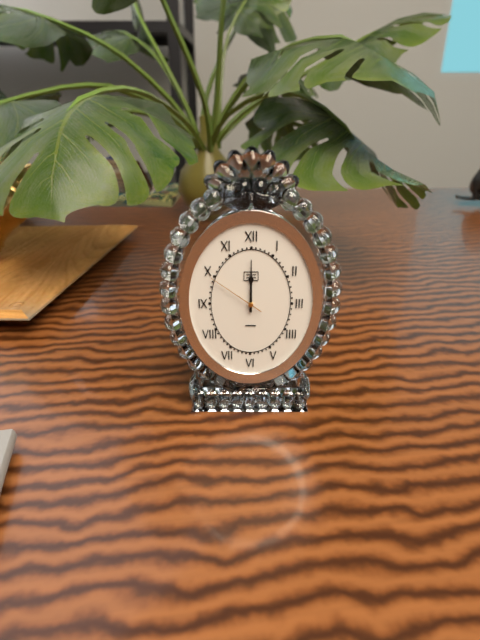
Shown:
12 h 00 min 51 s
